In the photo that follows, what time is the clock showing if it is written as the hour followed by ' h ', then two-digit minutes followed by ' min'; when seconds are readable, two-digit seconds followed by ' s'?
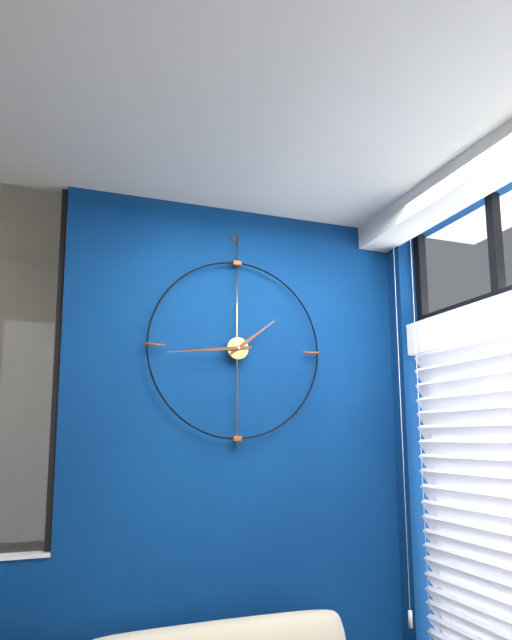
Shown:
1 h 44 min
